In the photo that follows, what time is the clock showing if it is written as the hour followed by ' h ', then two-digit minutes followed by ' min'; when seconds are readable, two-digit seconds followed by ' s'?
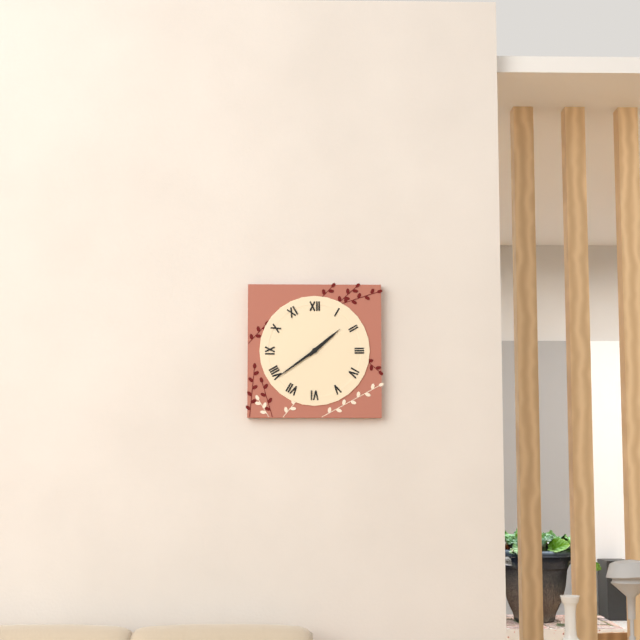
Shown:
1 h 39 min
